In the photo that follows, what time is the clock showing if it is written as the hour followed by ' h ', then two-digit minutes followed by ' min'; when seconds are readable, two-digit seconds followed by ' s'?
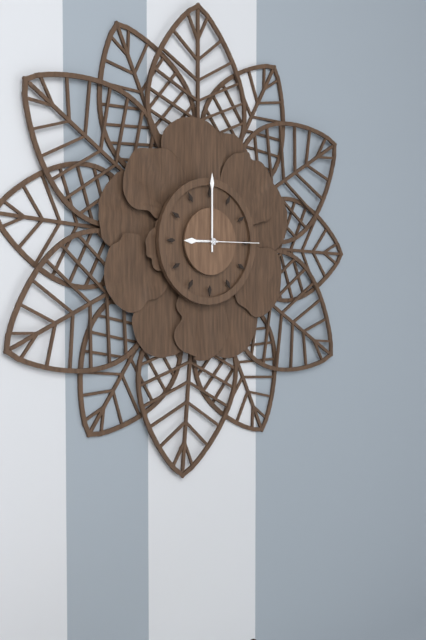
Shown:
9 h 00 min 15 s
